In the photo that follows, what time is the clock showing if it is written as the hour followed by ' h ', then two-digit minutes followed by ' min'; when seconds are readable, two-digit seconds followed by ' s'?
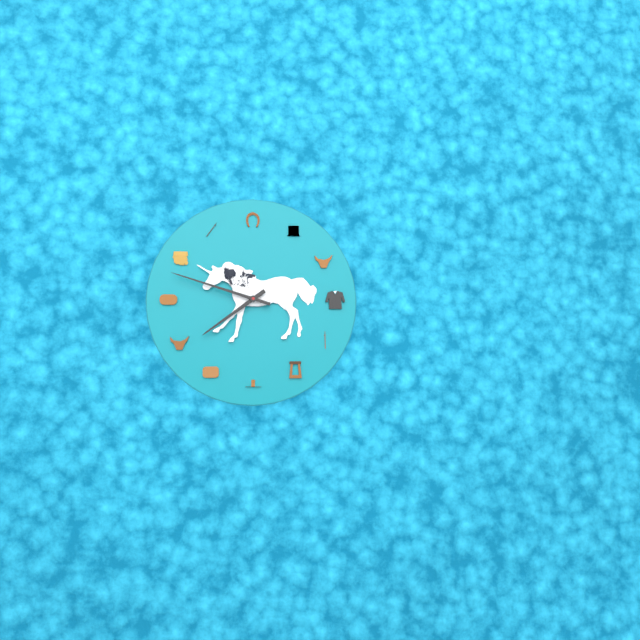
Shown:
7 h 48 min
